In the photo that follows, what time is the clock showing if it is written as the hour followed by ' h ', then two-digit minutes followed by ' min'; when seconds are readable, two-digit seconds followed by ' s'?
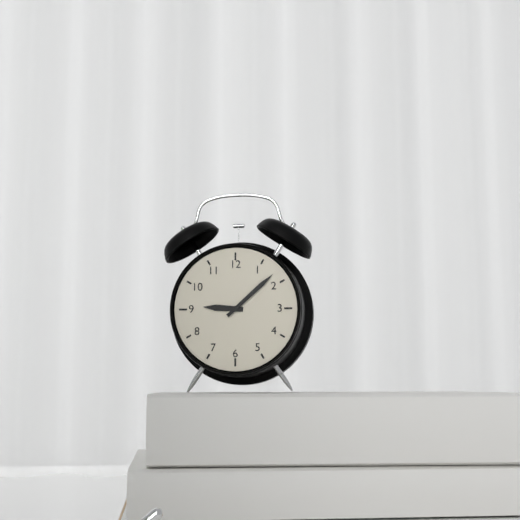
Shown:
9 h 08 min
